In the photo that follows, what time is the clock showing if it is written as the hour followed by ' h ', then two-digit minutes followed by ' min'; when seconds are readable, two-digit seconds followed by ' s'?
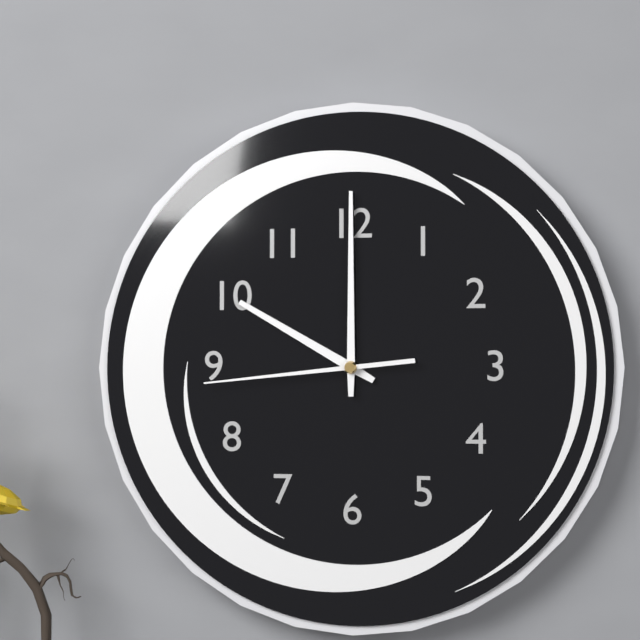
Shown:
10 h 00 min 44 s
